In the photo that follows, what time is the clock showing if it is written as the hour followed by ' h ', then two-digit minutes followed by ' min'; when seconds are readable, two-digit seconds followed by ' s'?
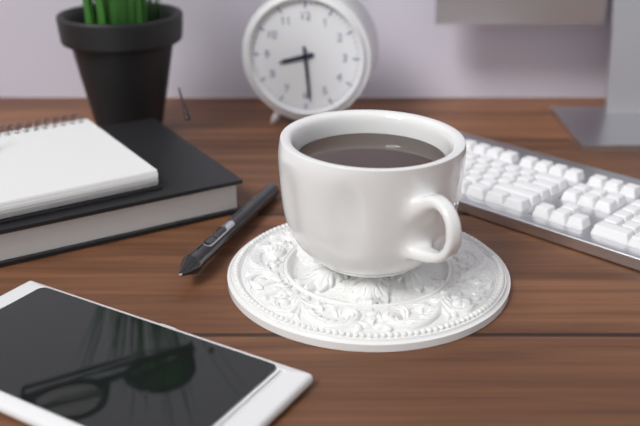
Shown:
8 h 29 min
